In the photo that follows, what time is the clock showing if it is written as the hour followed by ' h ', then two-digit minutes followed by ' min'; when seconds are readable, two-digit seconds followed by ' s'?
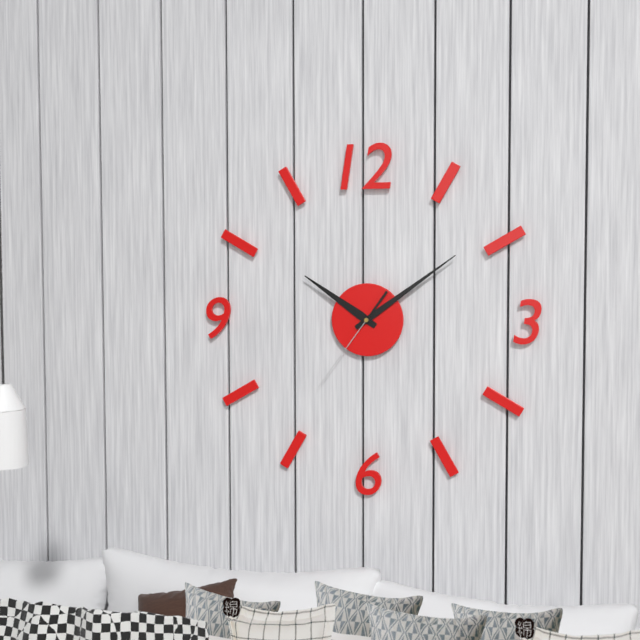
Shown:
10 h 09 min 36 s
